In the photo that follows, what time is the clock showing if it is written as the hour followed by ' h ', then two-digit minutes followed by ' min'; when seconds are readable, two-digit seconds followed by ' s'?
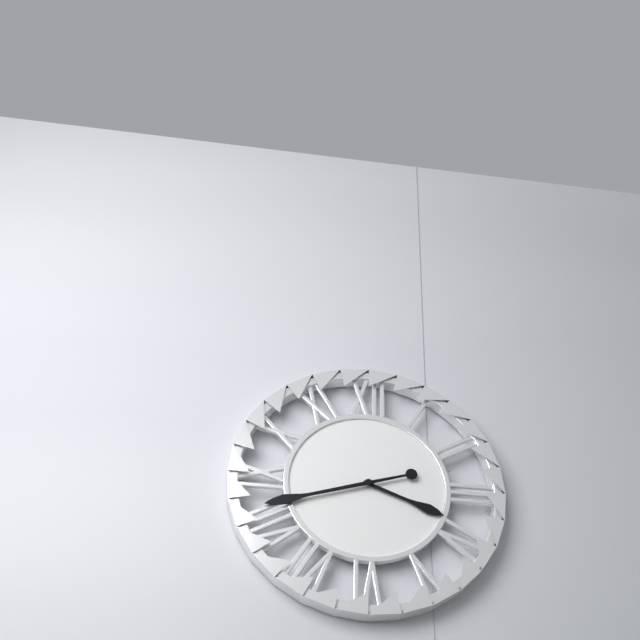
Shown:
3 h 42 min
